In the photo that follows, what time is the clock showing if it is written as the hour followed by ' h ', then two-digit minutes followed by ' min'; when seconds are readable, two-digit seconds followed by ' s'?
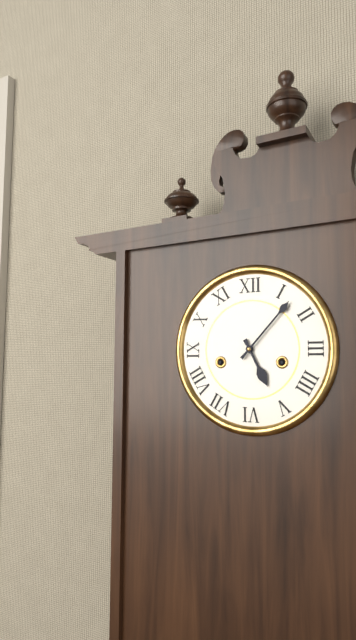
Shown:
5 h 07 min
